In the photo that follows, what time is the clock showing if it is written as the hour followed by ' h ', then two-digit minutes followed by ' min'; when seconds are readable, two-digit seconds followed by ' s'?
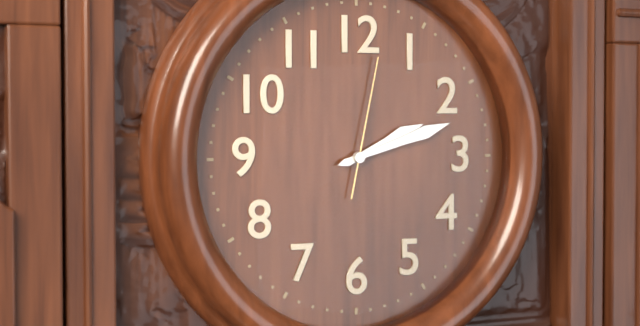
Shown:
2 h 12 min 02 s
